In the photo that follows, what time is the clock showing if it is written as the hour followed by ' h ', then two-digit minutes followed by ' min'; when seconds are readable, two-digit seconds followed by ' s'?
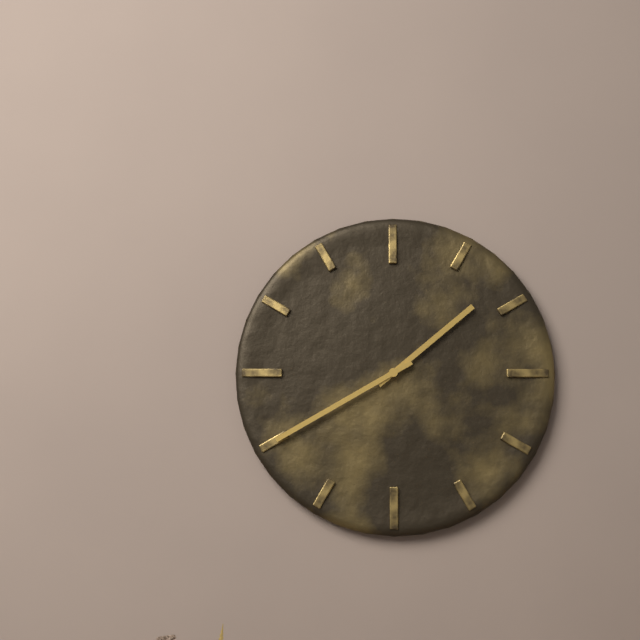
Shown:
1 h 40 min
